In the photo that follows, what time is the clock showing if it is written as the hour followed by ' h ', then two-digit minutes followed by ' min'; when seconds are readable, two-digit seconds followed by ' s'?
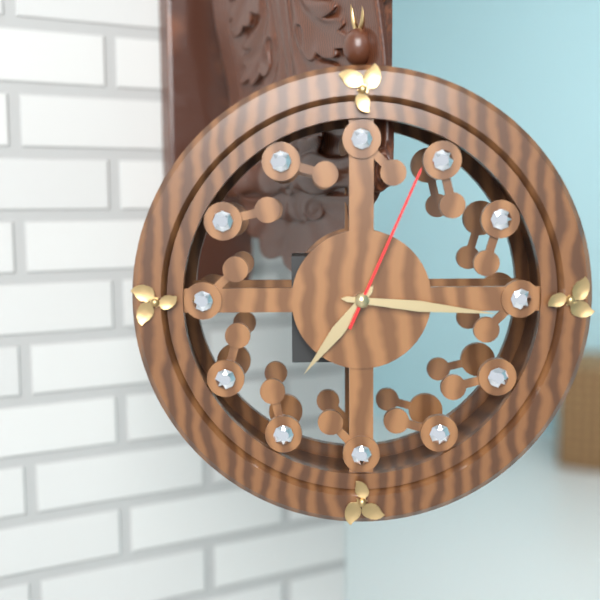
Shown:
7 h 16 min 04 s
